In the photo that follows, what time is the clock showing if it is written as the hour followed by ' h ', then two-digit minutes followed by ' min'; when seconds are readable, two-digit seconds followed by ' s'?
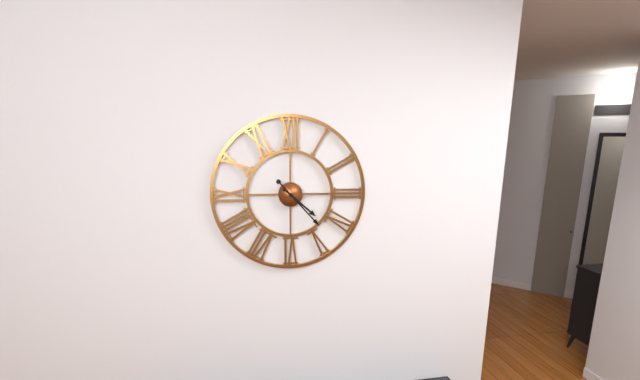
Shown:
4 h 23 min
